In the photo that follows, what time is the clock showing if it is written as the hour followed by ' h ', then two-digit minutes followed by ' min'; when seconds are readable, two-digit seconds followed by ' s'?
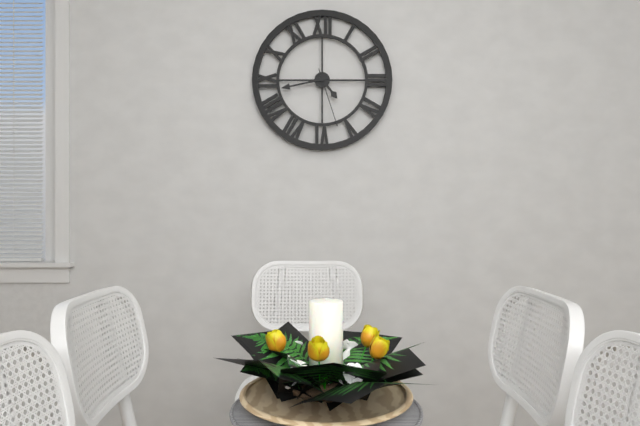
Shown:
4 h 43 min 27 s
